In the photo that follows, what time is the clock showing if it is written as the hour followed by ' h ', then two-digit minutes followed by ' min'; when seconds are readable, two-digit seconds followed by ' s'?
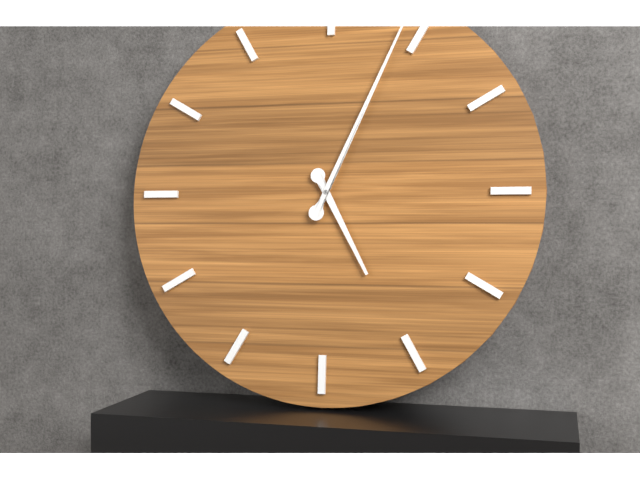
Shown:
5 h 04 min
